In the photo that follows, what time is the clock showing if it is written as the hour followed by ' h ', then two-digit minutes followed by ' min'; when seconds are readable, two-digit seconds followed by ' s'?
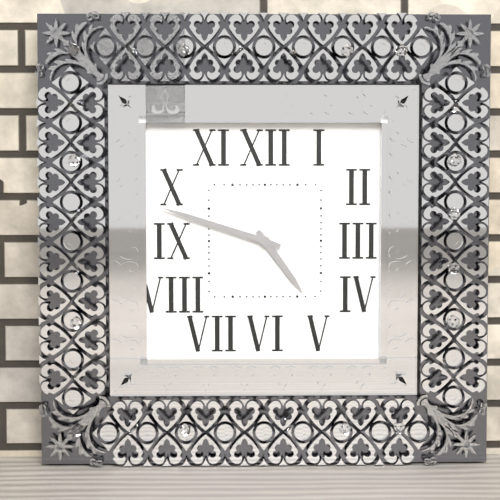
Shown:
4 h 48 min
